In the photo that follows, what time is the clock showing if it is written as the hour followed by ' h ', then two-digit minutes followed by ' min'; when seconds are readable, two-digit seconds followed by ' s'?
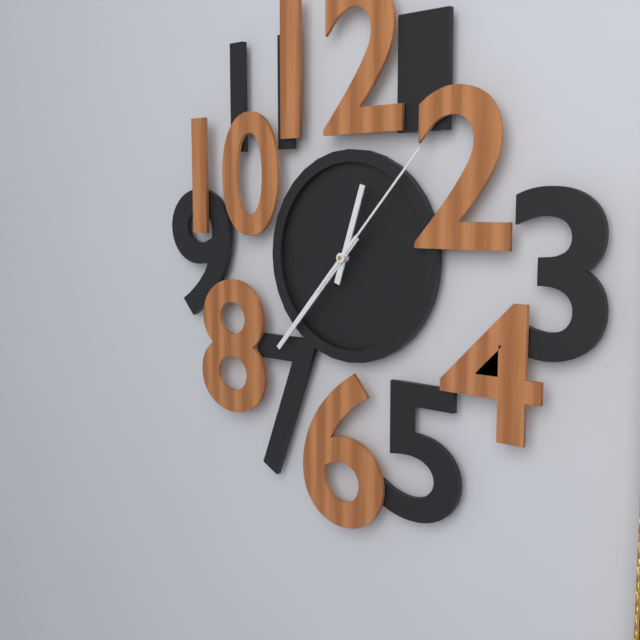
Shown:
12 h 37 min 07 s
